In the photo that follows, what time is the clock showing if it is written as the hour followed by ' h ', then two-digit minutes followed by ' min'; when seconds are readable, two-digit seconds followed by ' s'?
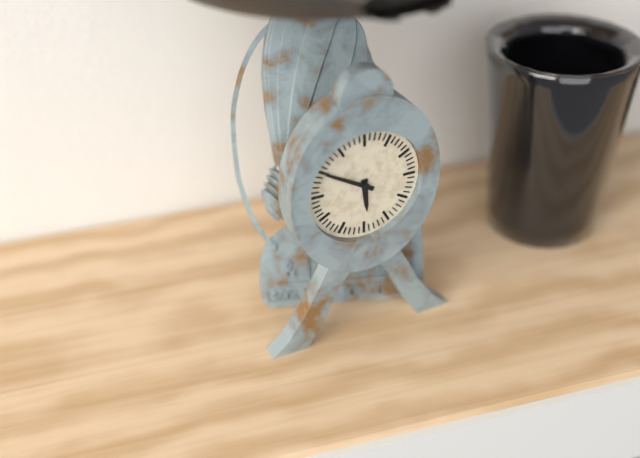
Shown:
5 h 50 min
